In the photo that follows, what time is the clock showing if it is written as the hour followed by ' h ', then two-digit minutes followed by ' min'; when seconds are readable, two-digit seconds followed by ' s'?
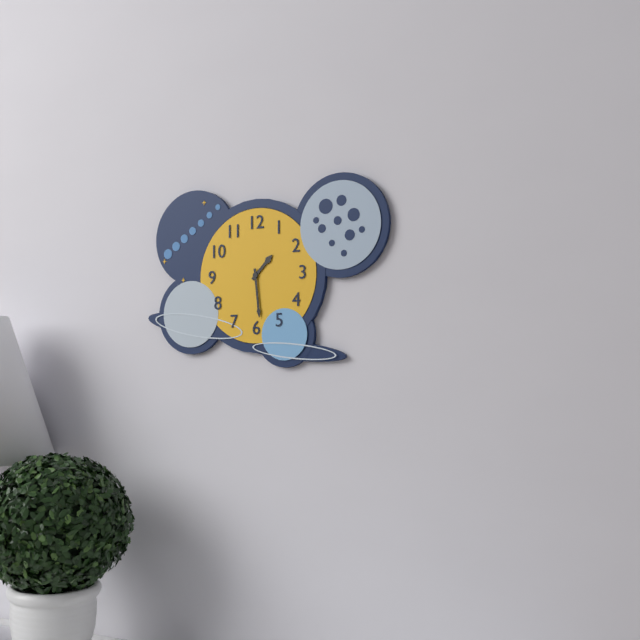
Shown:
1 h 29 min
